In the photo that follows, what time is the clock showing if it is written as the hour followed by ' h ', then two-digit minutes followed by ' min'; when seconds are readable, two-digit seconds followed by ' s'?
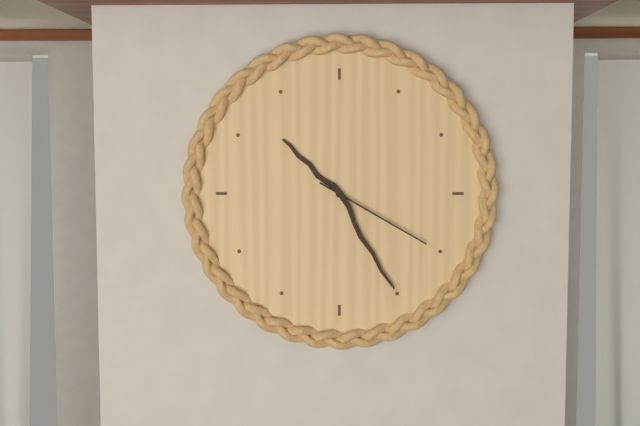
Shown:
10 h 25 min 20 s
